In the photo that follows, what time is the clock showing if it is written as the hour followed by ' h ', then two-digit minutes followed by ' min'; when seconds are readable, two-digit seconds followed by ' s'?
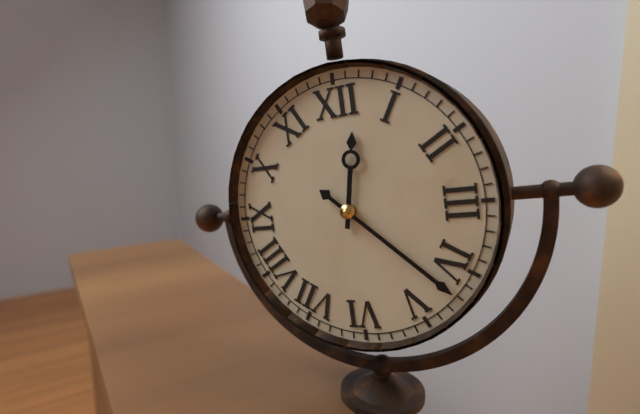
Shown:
12 h 22 min
